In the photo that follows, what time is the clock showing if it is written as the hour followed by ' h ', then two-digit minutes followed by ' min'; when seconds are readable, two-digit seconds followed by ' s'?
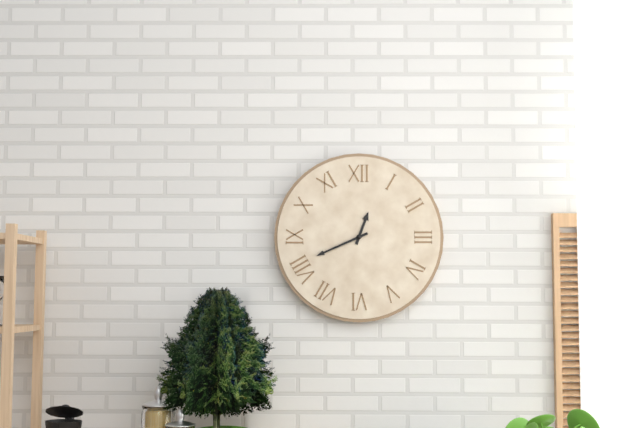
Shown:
12 h 41 min
